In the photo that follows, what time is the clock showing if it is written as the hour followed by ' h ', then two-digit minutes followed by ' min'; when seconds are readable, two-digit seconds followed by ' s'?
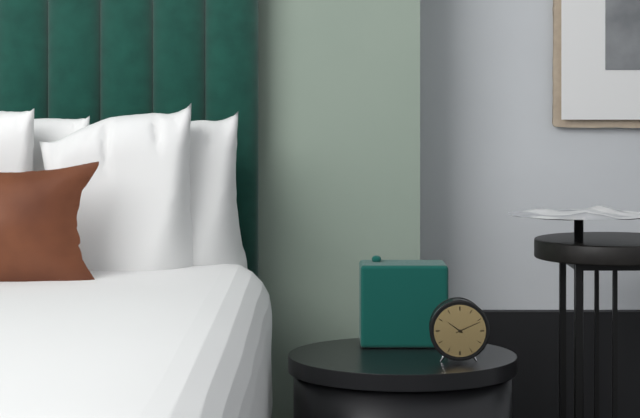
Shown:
10 h 11 min
